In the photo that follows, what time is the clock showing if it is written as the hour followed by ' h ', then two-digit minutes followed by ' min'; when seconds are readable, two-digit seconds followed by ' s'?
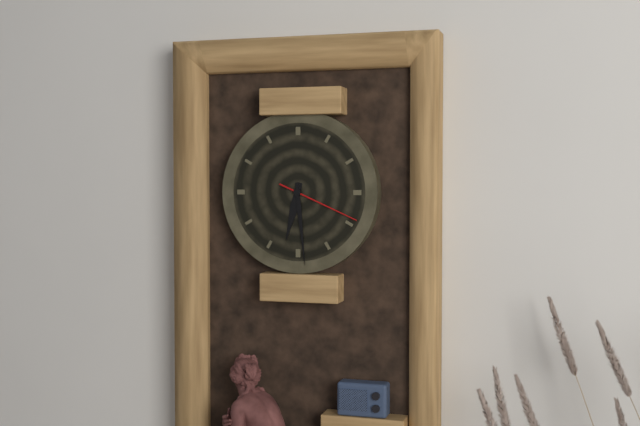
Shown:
6 h 29 min 19 s
